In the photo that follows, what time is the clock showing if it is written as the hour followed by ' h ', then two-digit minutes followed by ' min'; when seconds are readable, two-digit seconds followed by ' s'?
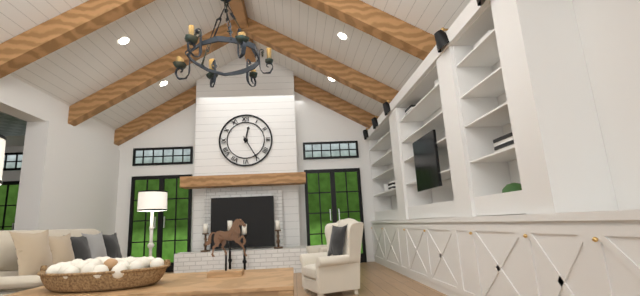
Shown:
12 h 25 min
